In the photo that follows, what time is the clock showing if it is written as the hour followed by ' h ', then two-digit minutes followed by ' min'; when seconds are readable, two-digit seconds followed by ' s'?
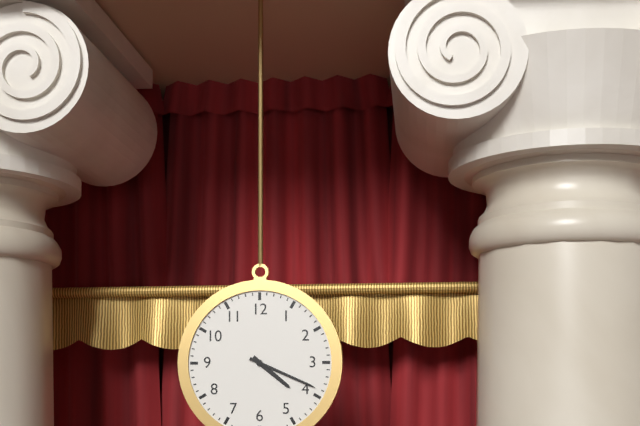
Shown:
4 h 19 min
